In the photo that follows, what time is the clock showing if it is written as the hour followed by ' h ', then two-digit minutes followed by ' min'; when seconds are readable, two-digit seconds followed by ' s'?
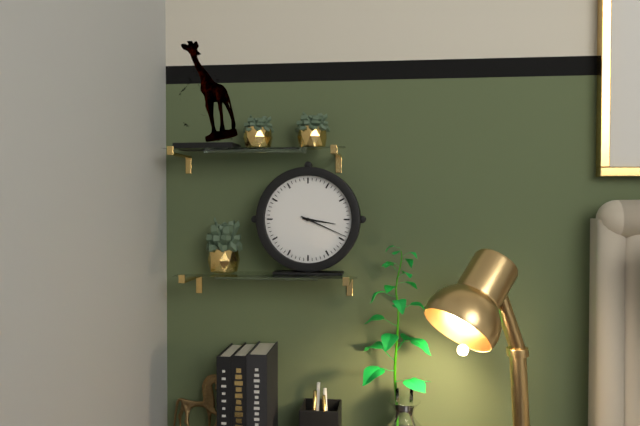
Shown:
3 h 19 min
